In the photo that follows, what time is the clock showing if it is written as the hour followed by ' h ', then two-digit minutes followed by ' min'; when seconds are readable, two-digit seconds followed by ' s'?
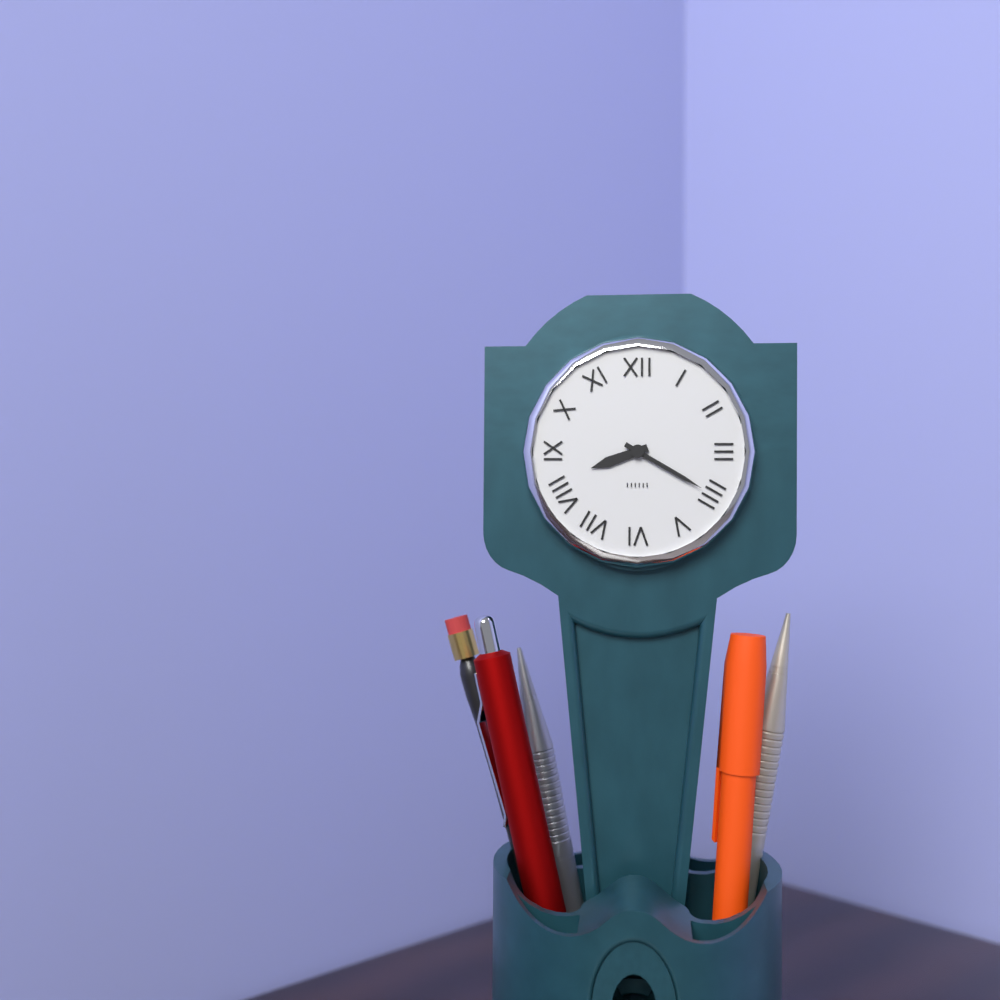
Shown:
8 h 20 min
